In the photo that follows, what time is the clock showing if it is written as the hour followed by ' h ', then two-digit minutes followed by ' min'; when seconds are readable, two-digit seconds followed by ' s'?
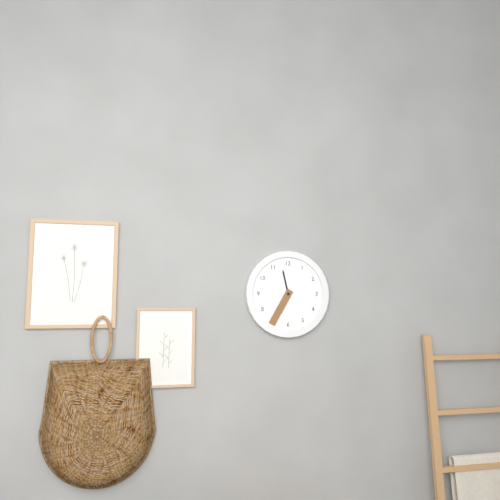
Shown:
11 h 35 min
